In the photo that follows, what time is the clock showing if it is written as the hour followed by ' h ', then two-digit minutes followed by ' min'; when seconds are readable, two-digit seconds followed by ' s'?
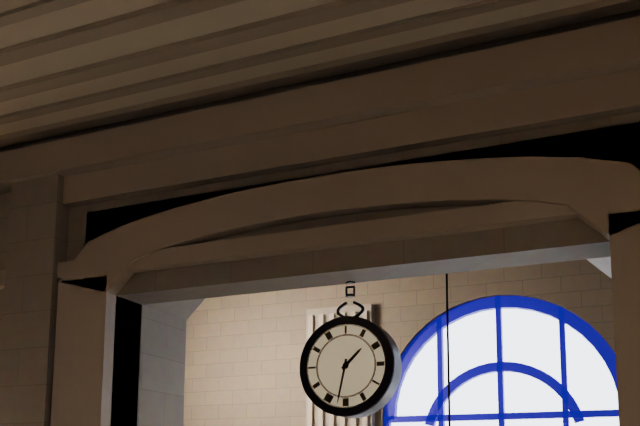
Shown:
1 h 32 min
